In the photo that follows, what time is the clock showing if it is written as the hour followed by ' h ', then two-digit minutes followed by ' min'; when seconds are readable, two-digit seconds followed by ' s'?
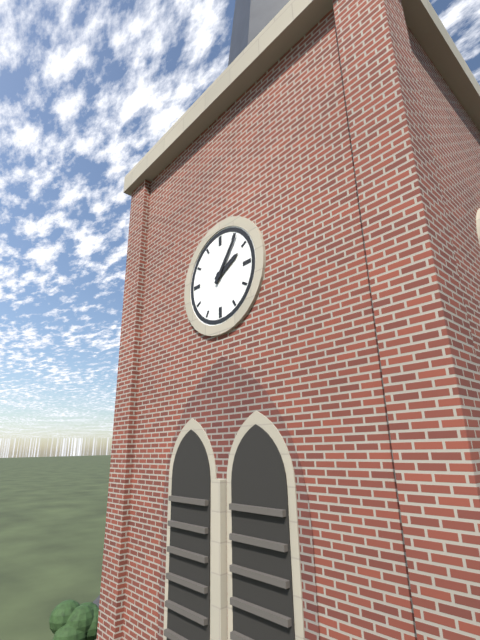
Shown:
2 h 06 min
